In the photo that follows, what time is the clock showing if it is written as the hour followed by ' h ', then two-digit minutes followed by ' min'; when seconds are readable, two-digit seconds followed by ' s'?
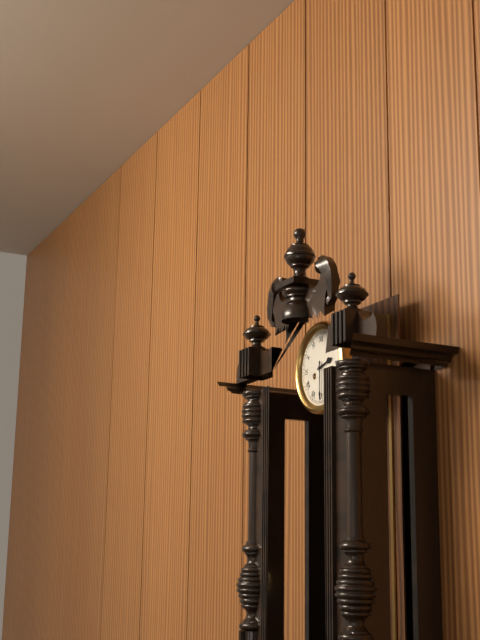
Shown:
2 h 30 min
